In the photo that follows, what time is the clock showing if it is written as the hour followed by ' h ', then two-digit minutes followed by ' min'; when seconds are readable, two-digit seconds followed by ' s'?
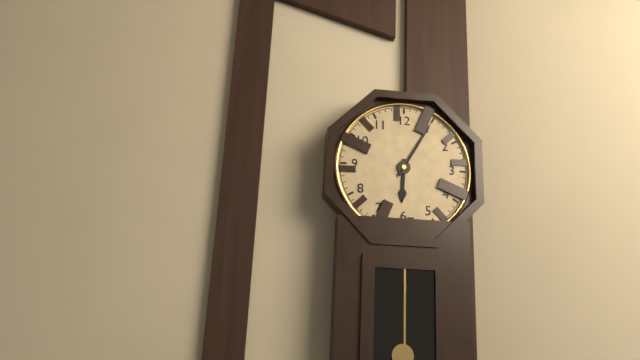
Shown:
6 h 05 min
